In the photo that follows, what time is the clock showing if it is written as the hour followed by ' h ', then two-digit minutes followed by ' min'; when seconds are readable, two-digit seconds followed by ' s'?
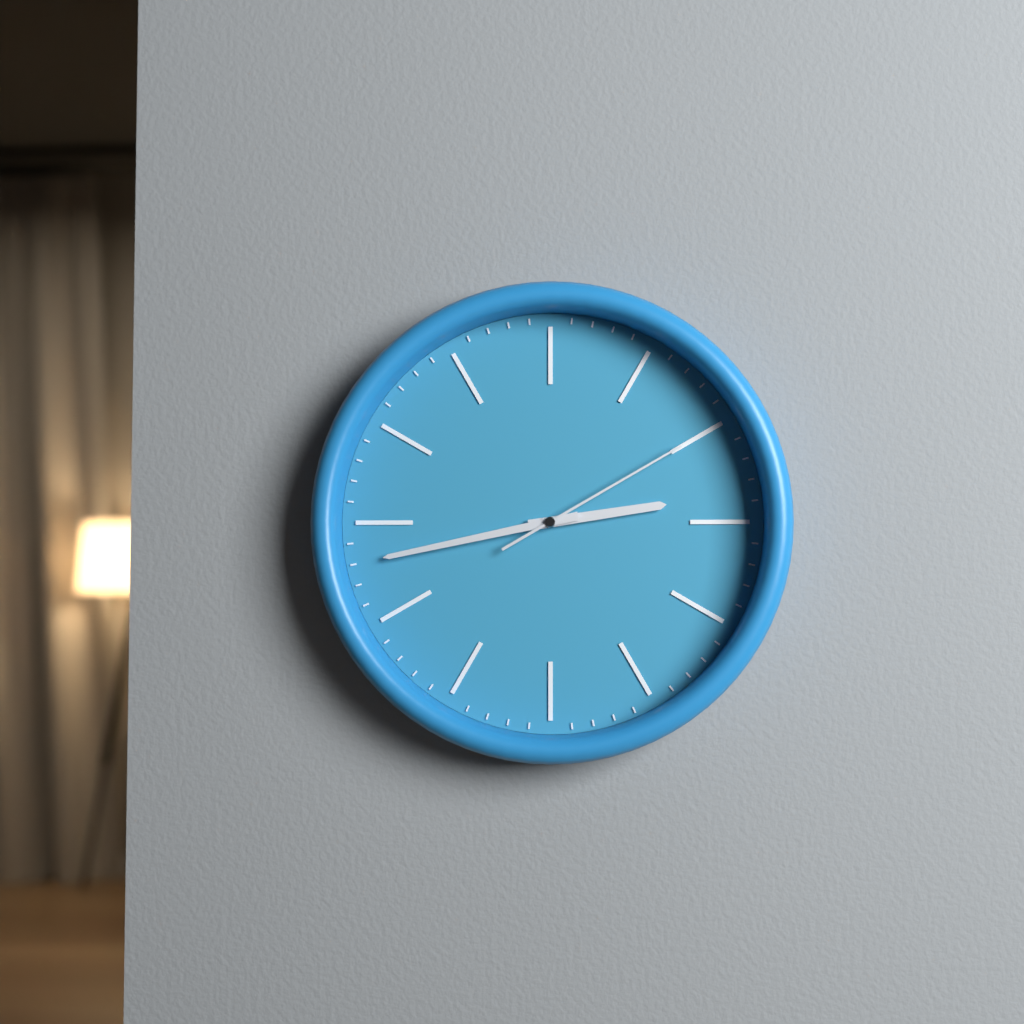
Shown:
2 h 43 min 10 s
